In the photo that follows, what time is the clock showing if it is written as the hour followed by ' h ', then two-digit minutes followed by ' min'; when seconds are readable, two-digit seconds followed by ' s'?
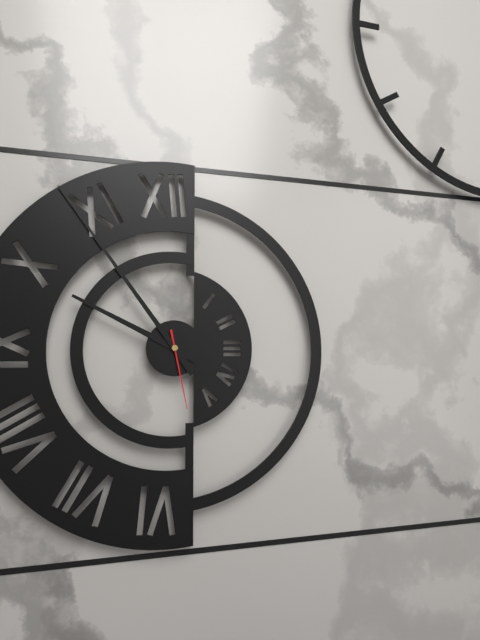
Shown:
9 h 54 min 28 s
